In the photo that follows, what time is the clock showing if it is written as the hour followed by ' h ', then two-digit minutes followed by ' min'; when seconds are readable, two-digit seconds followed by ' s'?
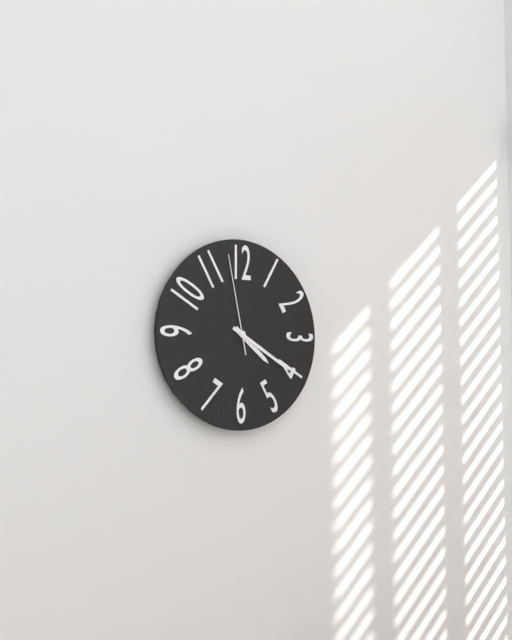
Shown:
4 h 20 min 58 s
